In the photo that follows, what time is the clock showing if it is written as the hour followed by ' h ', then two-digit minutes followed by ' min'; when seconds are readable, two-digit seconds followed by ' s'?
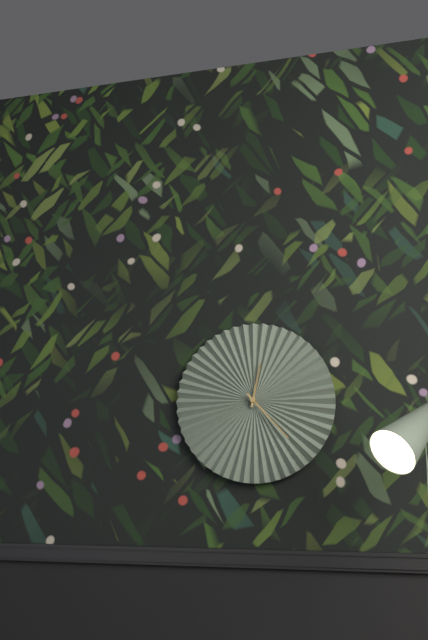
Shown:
12 h 23 min
